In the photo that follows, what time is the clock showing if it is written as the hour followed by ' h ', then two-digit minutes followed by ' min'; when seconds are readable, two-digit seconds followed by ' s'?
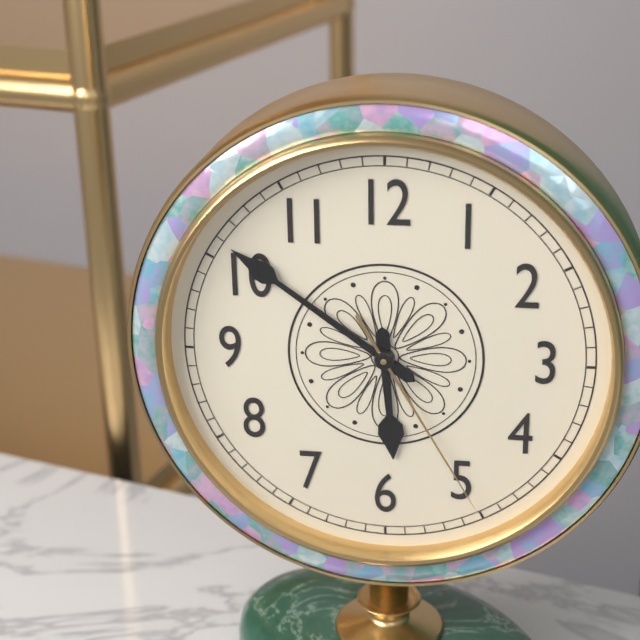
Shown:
5 h 51 min 25 s
